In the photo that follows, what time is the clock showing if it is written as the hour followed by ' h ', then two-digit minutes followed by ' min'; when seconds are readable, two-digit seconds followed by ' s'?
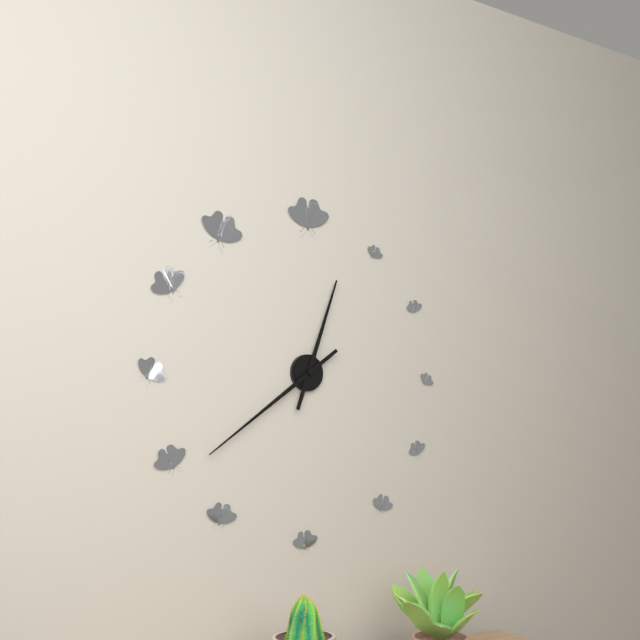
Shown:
12 h 39 min
